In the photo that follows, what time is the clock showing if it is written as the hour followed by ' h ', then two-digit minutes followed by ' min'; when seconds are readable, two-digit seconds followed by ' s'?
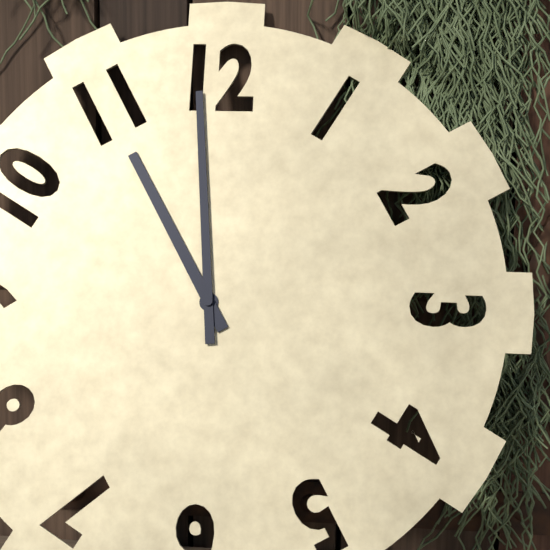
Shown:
10 h 59 min
